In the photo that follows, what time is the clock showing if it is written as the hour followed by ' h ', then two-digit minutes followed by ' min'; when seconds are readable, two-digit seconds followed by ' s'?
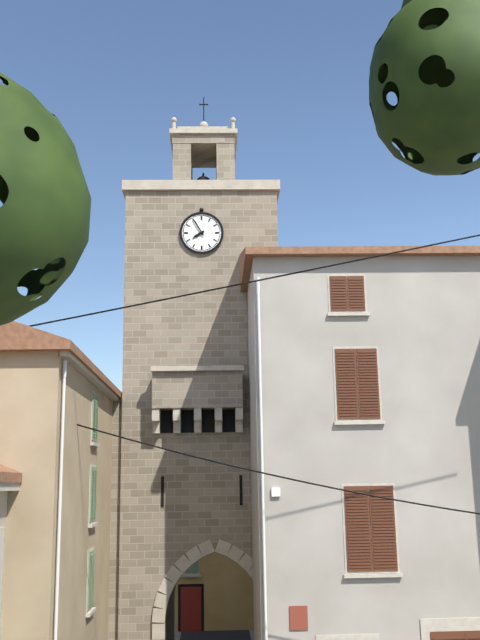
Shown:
7 h 55 min
